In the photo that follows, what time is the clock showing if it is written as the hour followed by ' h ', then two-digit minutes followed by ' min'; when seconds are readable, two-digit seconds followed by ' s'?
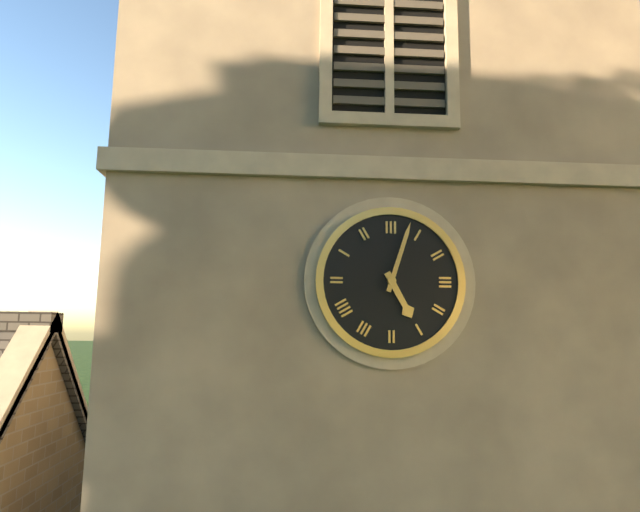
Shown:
5 h 03 min
